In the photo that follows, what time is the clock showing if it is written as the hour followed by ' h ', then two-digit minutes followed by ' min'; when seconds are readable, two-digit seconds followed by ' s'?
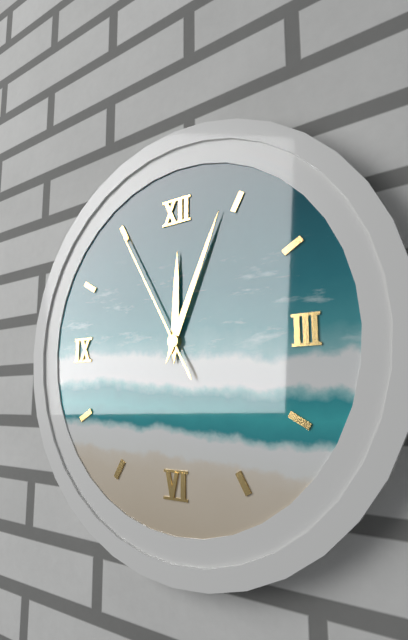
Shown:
12 h 04 min 55 s
